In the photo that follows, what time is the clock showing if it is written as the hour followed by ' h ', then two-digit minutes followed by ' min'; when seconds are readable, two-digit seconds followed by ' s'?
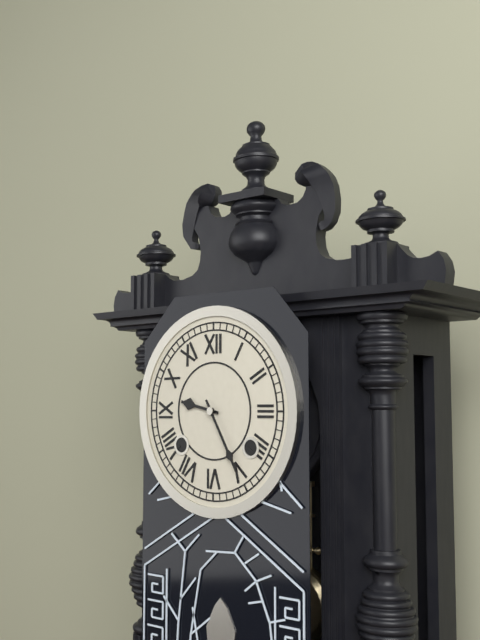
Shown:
9 h 25 min
